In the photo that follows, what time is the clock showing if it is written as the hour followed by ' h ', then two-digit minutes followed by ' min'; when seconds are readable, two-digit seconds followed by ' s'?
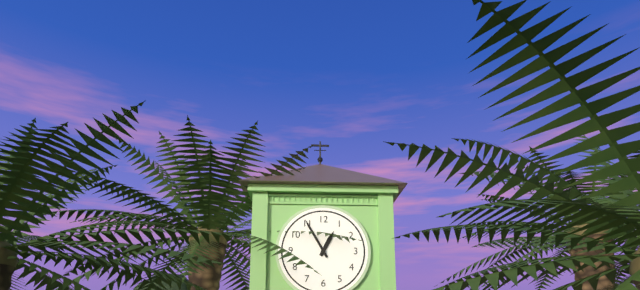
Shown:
12 h 55 min
